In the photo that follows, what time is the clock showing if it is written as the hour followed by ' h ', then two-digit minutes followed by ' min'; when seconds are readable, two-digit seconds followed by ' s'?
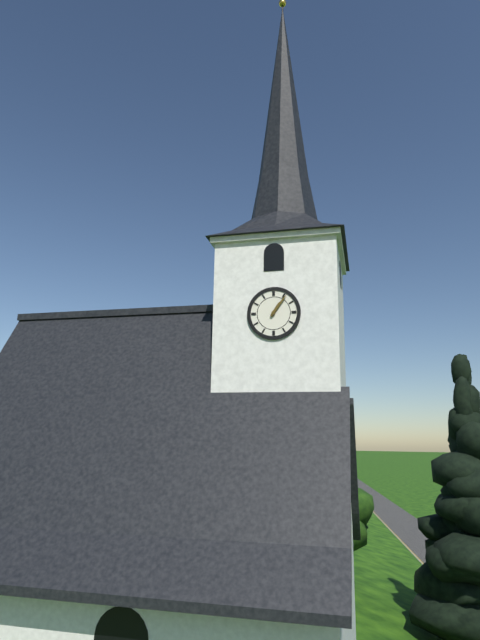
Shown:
1 h 06 min
